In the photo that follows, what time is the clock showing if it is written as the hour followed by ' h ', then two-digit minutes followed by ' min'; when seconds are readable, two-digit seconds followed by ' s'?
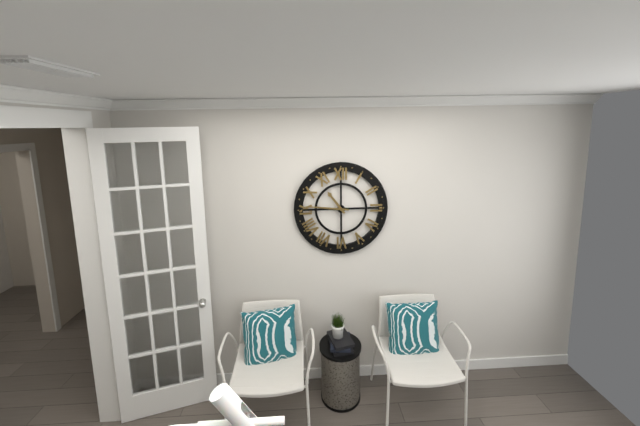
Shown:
10 h 46 min
